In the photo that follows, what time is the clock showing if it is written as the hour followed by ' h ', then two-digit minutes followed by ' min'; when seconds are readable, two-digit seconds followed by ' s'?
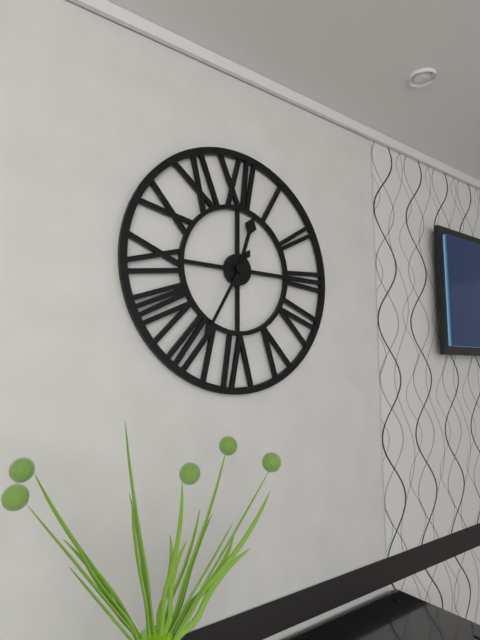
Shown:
12 h 35 min
